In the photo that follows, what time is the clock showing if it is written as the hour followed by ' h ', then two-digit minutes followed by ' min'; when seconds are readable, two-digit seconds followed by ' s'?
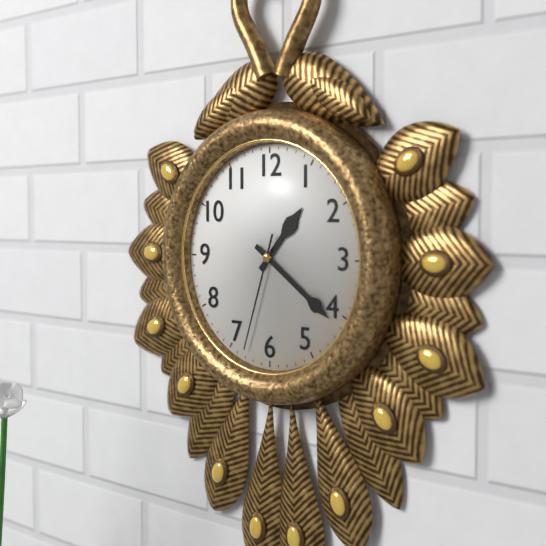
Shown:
1 h 21 min 33 s
